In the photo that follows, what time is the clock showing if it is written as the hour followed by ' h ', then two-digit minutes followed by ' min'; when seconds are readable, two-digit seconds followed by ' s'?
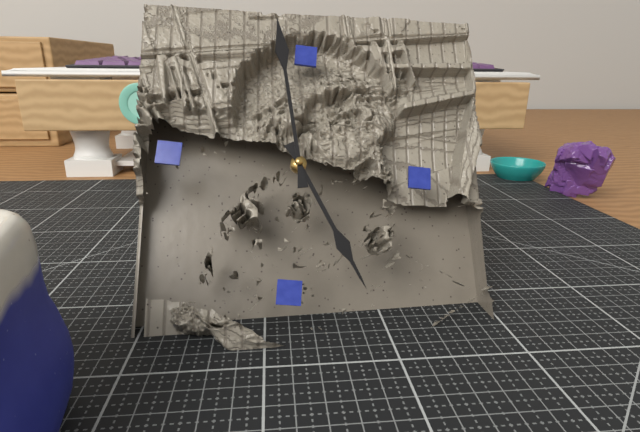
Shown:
4 h 58 min
